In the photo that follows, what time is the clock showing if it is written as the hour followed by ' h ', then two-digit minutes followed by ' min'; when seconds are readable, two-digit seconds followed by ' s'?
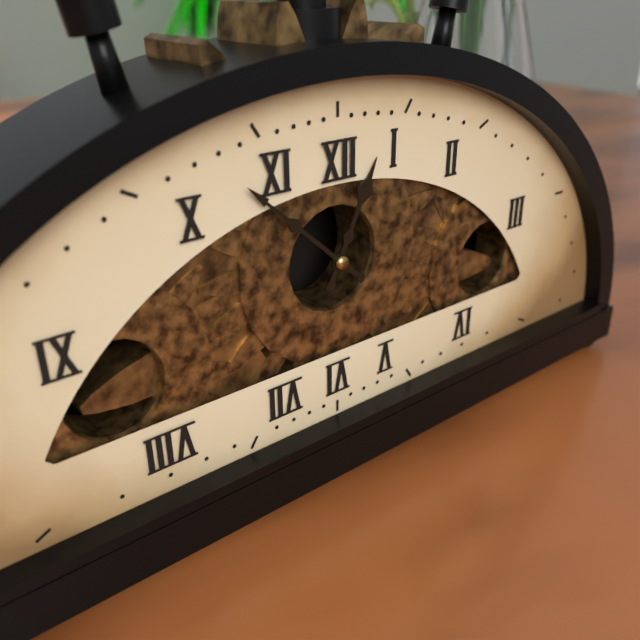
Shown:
12 h 52 min
